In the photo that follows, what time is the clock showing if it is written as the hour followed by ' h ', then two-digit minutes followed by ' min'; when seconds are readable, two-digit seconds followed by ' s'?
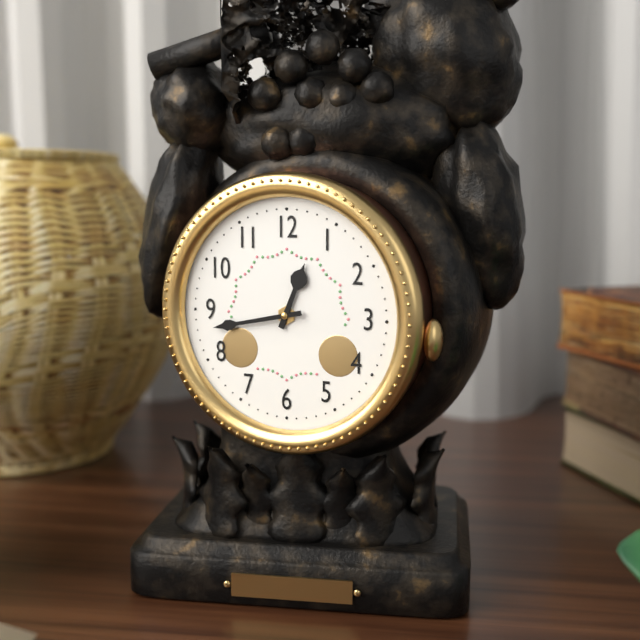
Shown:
12 h 43 min
